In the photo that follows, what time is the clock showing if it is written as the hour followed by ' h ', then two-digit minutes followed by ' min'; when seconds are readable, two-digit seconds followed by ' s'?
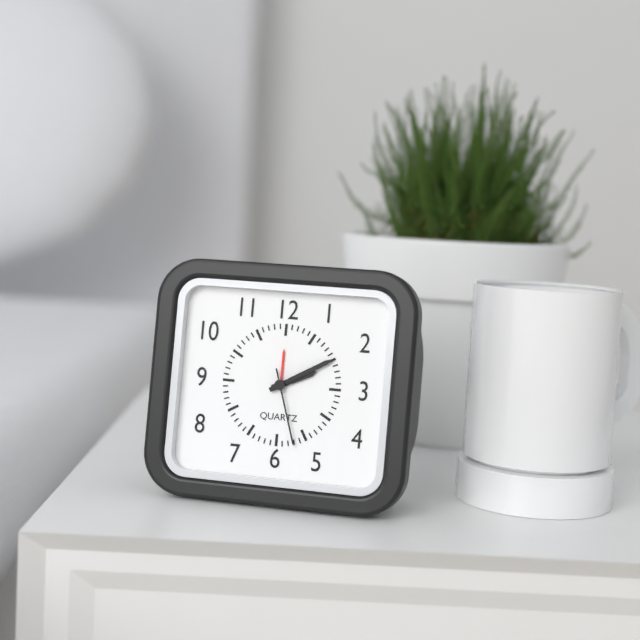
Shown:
2 h 10 min 27 s
